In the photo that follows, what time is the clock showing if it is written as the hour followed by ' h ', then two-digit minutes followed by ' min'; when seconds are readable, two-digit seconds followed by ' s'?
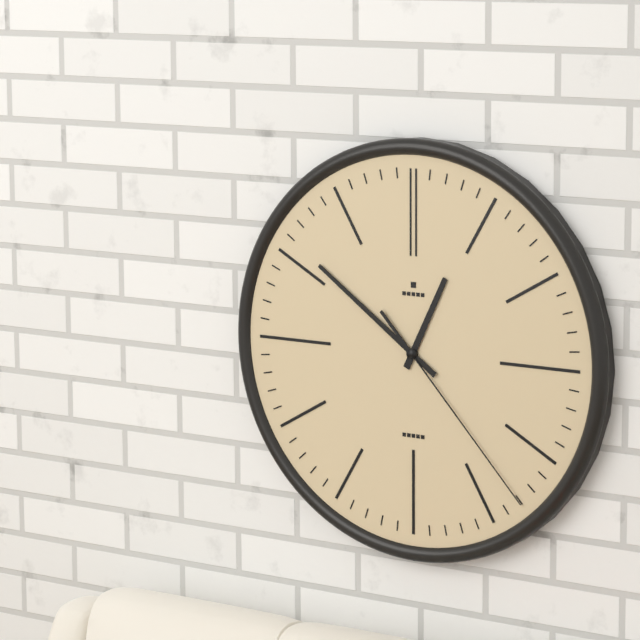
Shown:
12 h 51 min 23 s
